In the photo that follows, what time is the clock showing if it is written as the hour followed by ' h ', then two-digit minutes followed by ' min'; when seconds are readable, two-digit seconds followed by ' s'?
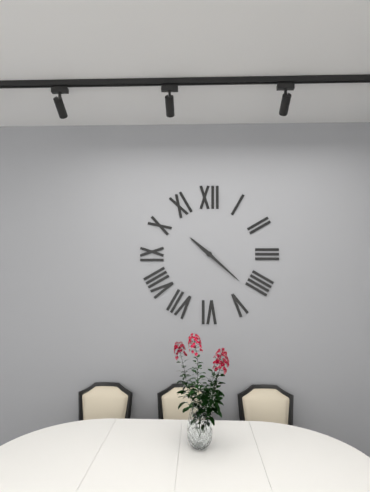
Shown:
10 h 22 min
